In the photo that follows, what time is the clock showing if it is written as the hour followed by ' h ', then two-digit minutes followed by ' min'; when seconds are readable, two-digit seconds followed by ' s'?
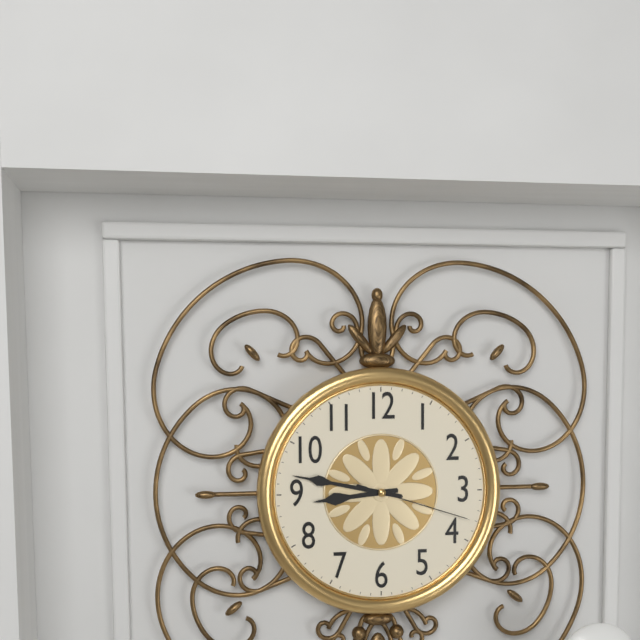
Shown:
8 h 47 min 18 s
